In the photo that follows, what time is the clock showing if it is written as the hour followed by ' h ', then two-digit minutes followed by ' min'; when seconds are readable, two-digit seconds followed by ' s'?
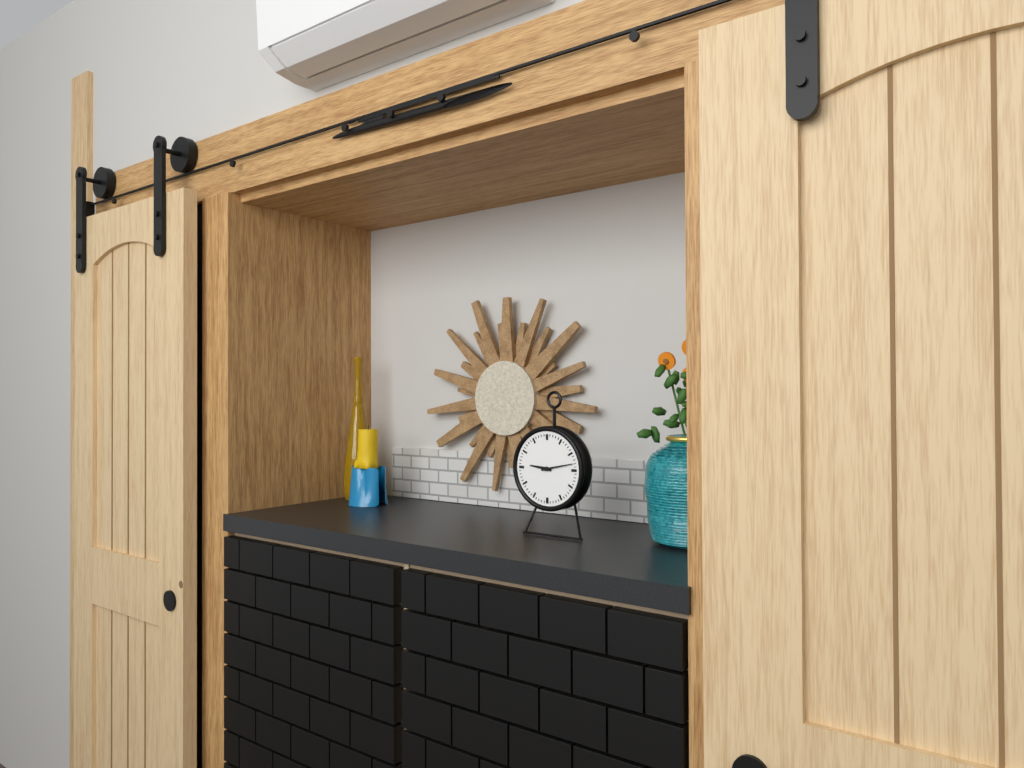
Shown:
9 h 13 min
